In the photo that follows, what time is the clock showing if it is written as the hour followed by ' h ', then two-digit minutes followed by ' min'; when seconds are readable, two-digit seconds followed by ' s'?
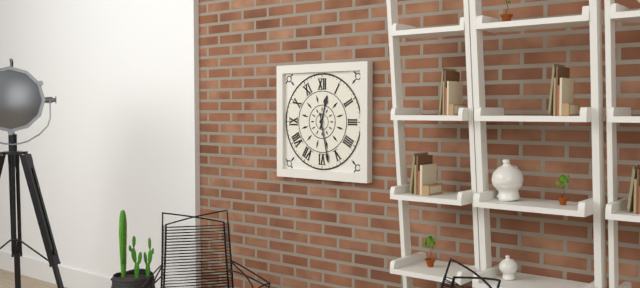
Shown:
12 h 28 min
